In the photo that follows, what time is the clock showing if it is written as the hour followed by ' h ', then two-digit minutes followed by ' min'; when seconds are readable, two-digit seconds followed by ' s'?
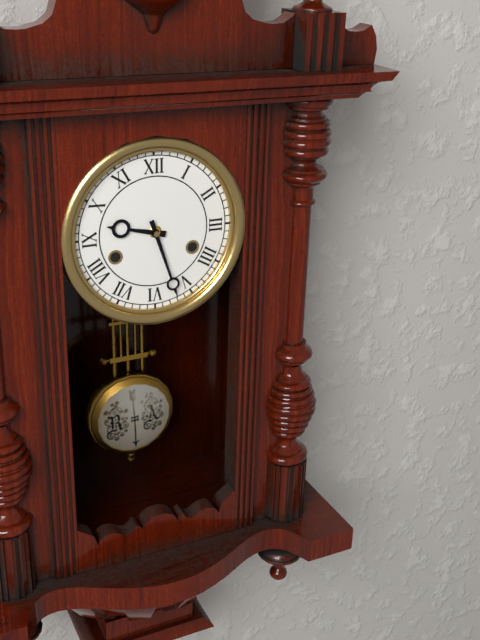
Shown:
9 h 27 min
